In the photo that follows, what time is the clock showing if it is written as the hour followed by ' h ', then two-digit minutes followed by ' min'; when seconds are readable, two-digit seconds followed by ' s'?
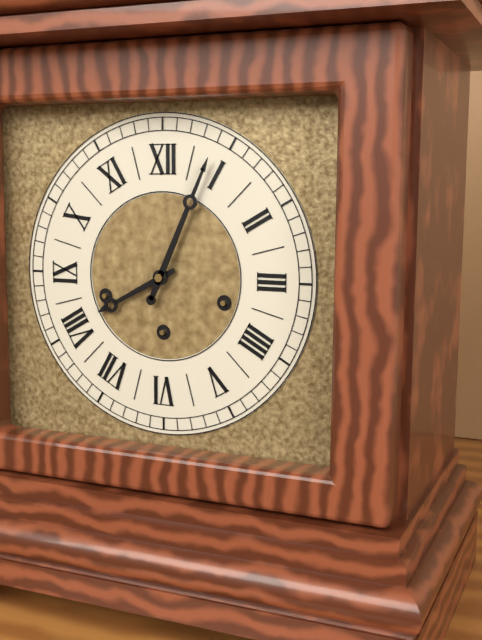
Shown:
8 h 04 min
